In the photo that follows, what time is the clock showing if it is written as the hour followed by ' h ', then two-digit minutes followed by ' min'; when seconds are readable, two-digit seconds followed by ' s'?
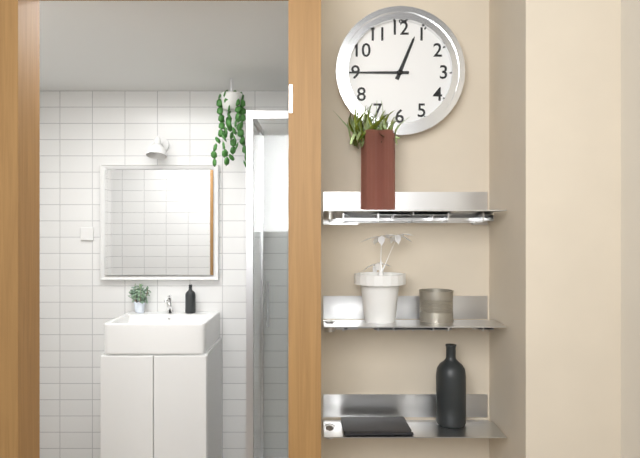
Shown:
12 h 45 min
